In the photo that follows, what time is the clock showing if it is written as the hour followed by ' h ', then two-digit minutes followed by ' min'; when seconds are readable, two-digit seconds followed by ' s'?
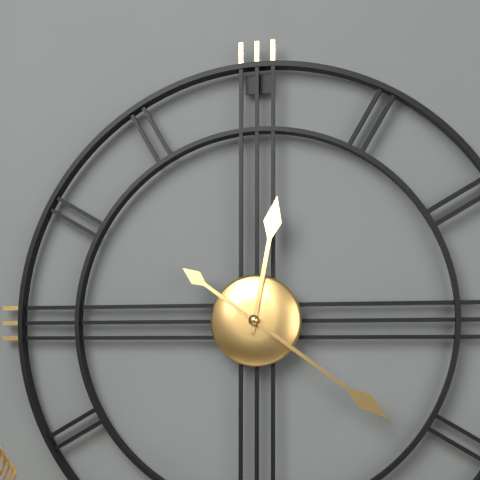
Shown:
12 h 21 min
